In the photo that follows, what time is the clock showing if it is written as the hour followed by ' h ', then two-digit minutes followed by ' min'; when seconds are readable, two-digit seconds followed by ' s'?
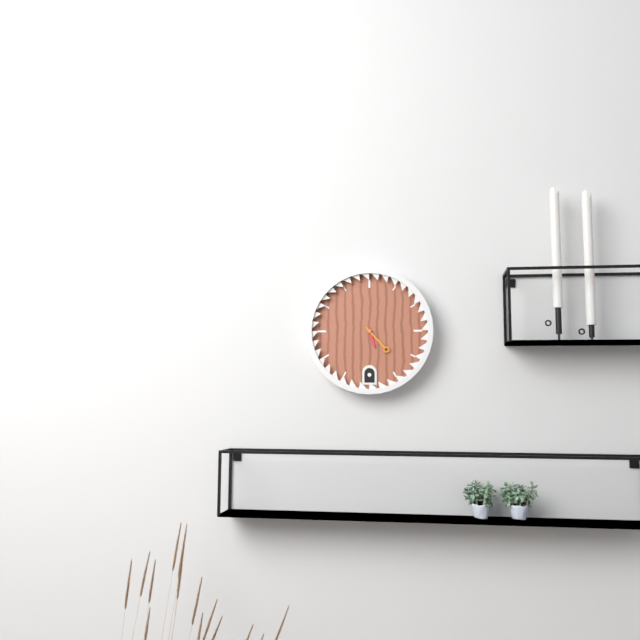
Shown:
5 h 23 min
